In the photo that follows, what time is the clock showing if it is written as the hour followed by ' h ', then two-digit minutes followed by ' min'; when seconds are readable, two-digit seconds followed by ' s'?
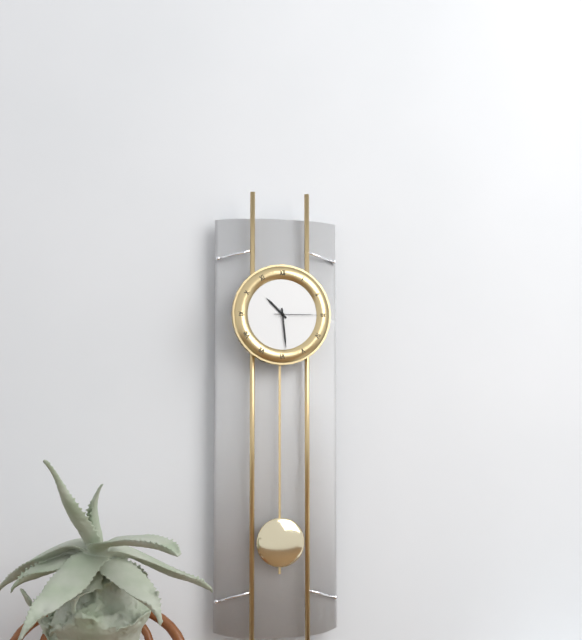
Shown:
10 h 29 min
